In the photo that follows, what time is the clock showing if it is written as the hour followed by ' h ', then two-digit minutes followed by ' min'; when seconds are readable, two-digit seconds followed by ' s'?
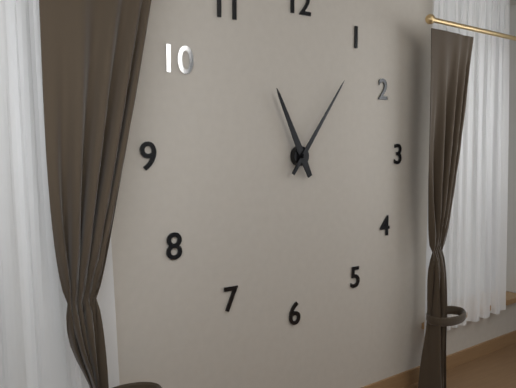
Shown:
11 h 06 min
